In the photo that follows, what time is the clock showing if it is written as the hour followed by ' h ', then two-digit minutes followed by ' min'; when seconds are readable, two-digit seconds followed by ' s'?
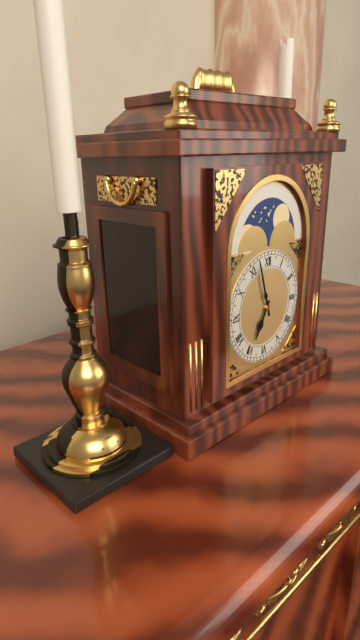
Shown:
6 h 57 min
